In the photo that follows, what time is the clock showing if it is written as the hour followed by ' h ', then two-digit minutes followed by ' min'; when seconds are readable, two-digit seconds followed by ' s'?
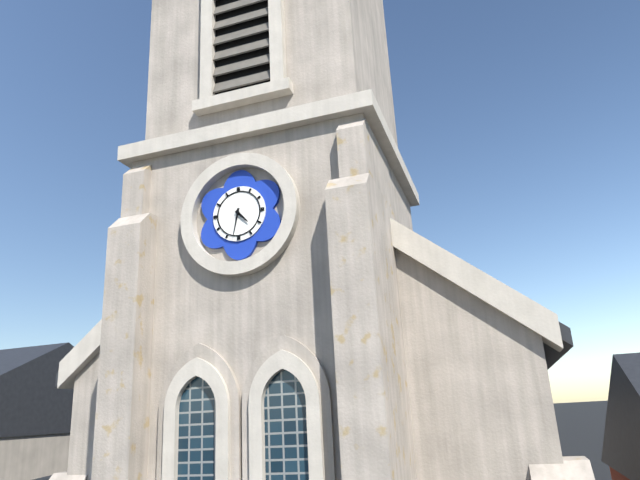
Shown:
4 h 32 min
